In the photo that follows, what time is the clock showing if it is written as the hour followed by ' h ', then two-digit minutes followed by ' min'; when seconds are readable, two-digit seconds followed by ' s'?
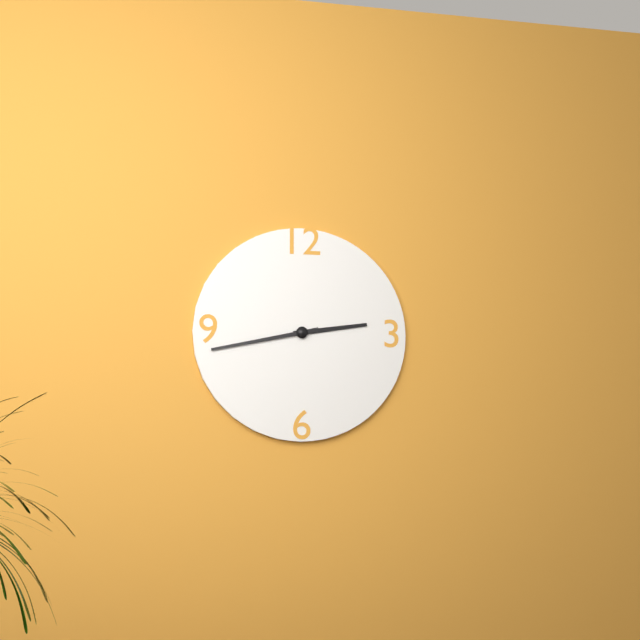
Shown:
2 h 43 min
